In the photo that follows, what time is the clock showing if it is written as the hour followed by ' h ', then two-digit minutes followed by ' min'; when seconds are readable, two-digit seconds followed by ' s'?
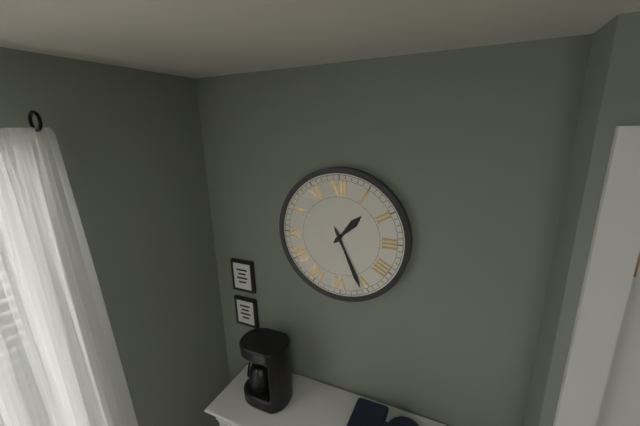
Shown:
1 h 26 min
